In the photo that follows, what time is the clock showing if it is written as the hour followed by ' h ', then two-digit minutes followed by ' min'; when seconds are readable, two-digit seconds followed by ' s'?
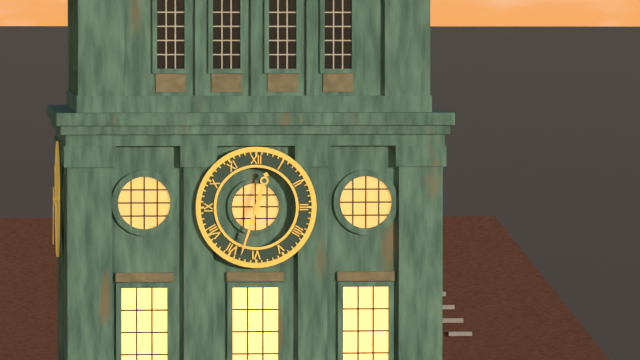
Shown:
12 h 33 min
